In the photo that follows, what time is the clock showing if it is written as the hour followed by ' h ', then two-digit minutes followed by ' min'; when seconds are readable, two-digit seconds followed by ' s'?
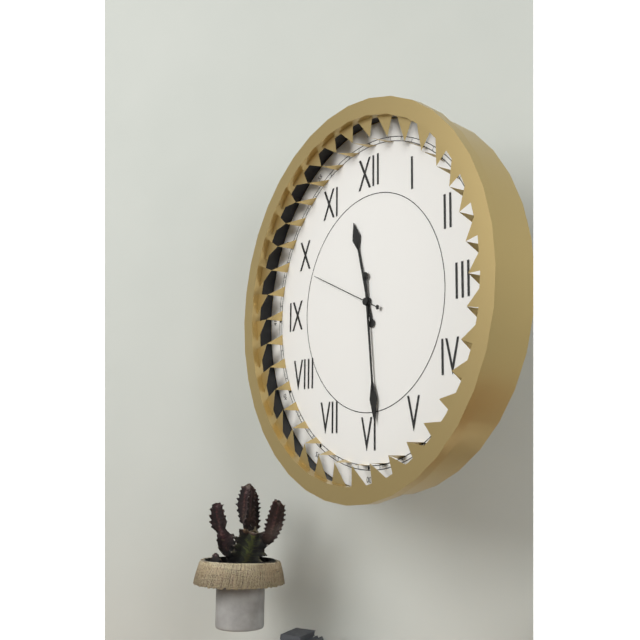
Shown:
11 h 29 min 49 s
